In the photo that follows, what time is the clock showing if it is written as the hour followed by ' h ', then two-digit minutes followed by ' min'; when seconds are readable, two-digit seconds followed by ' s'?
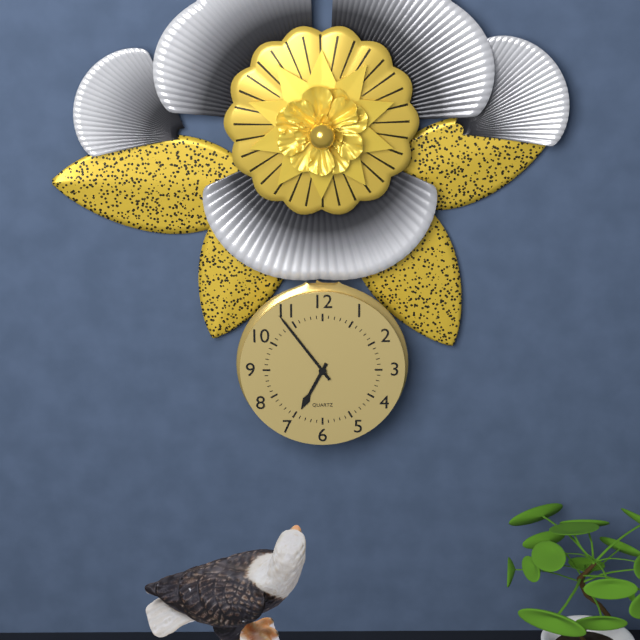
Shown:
6 h 54 min
